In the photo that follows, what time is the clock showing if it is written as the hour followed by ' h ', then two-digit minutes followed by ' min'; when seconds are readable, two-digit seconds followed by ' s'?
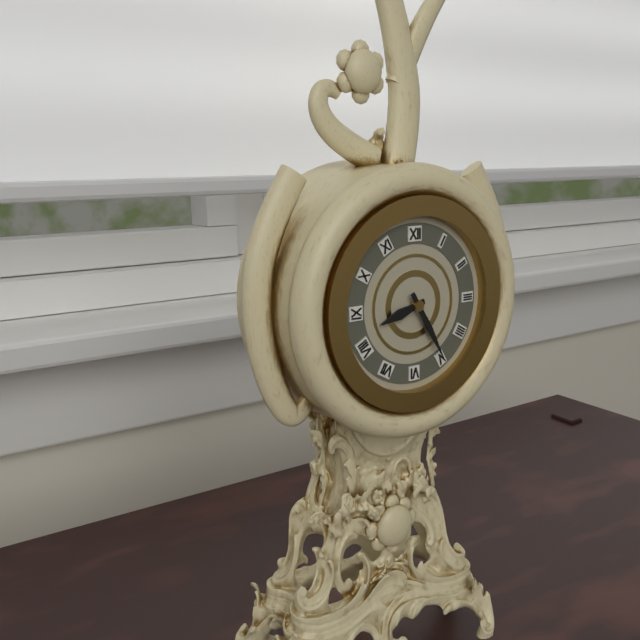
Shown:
8 h 25 min
